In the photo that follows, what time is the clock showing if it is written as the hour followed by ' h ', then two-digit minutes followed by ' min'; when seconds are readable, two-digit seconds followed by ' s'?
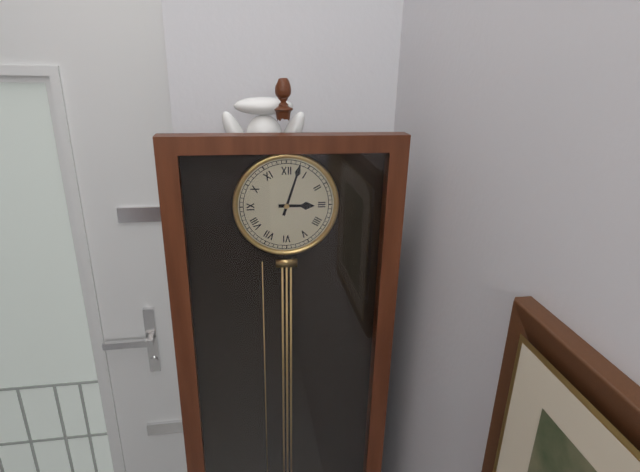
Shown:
3 h 03 min
